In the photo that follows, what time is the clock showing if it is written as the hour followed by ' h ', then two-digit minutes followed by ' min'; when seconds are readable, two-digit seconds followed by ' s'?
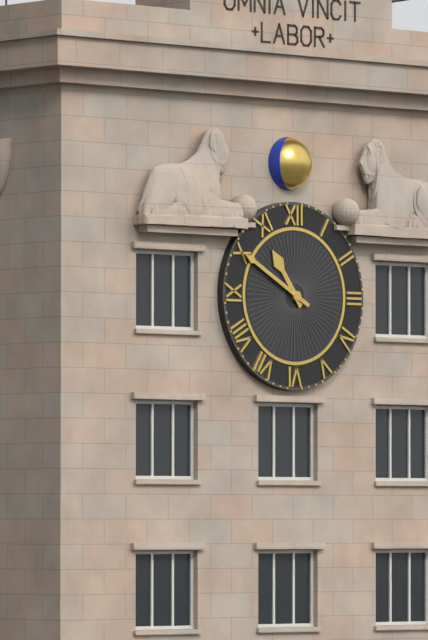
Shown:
10 h 50 min
